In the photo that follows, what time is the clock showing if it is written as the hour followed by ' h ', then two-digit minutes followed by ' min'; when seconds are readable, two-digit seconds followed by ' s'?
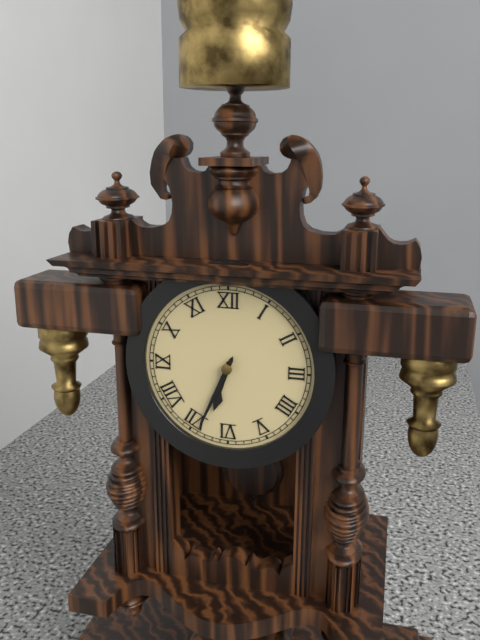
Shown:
6 h 34 min
